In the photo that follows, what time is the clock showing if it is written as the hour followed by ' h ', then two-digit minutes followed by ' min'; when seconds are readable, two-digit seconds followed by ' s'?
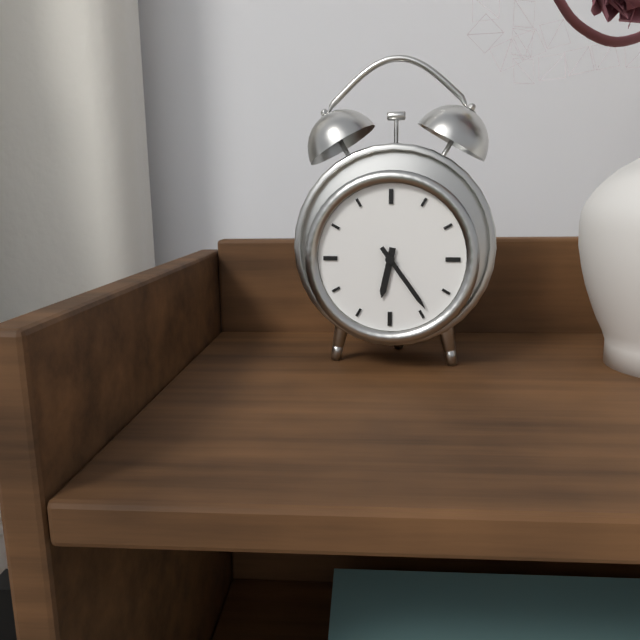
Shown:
6 h 24 min
